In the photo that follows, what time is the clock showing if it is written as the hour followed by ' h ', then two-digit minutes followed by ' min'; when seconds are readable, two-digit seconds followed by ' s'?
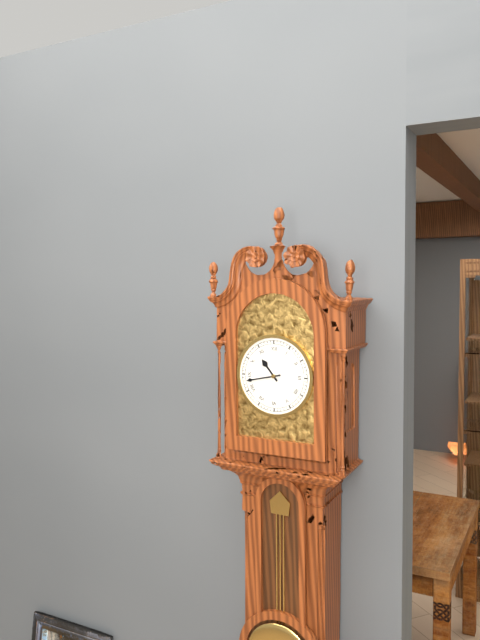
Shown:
10 h 43 min
